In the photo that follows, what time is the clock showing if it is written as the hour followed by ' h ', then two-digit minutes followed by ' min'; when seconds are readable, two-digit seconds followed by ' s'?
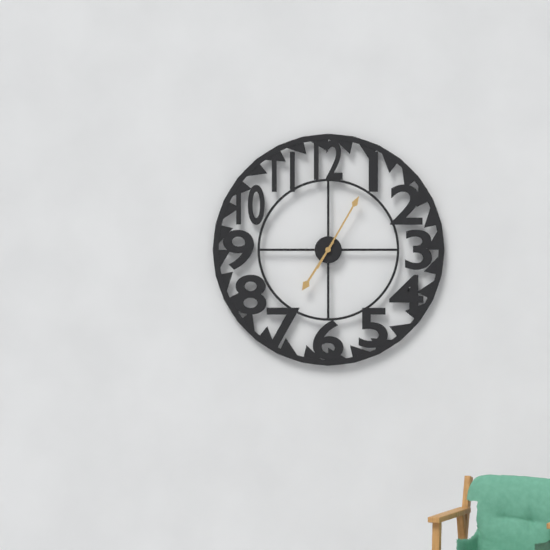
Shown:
7 h 05 min
